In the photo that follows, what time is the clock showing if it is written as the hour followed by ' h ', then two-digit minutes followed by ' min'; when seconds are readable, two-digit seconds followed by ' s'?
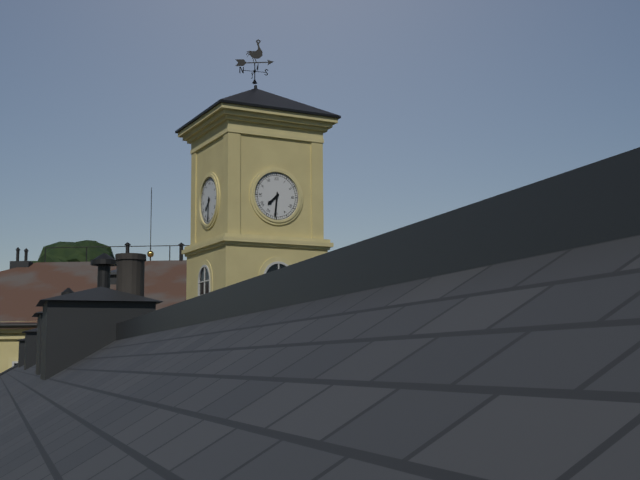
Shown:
7 h 31 min
